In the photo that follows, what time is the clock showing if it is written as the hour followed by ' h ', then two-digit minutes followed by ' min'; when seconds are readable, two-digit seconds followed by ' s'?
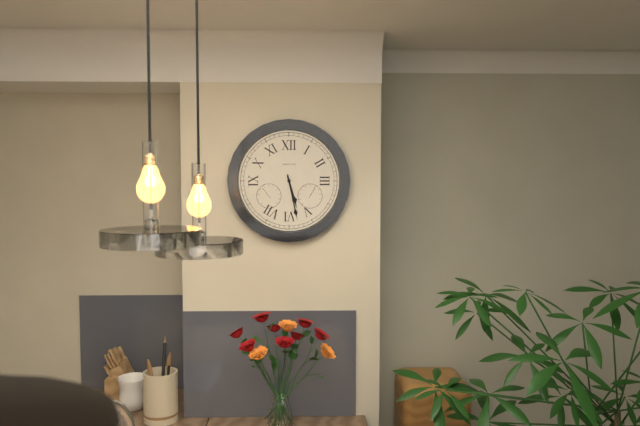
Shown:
5 h 28 min
